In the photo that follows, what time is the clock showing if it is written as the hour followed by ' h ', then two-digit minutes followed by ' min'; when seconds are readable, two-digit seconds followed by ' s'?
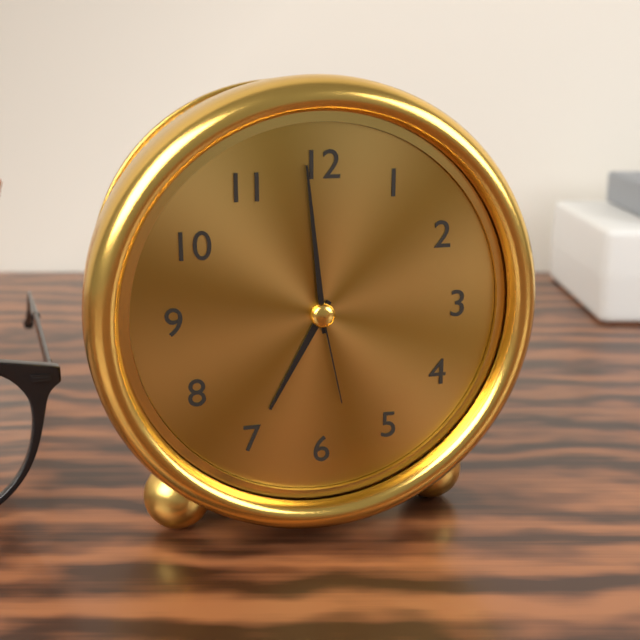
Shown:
6 h 59 min 28 s
